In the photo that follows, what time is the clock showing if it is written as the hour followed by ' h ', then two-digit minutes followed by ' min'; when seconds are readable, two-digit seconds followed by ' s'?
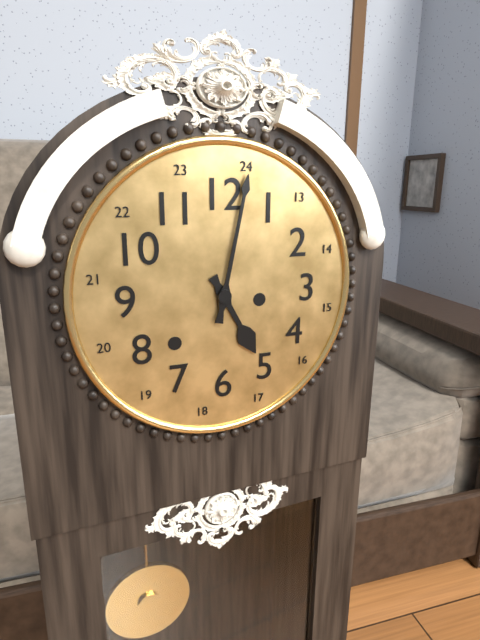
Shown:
5 h 02 min
